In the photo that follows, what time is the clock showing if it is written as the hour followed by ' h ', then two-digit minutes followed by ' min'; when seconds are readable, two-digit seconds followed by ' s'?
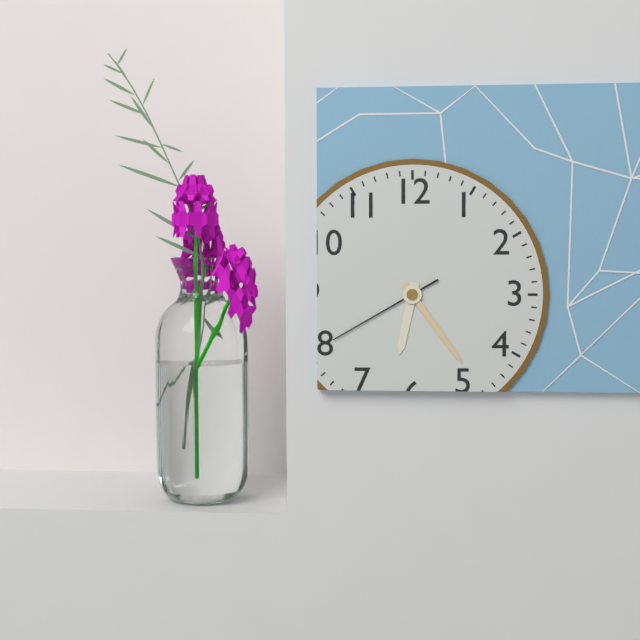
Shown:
6 h 24 min 40 s
